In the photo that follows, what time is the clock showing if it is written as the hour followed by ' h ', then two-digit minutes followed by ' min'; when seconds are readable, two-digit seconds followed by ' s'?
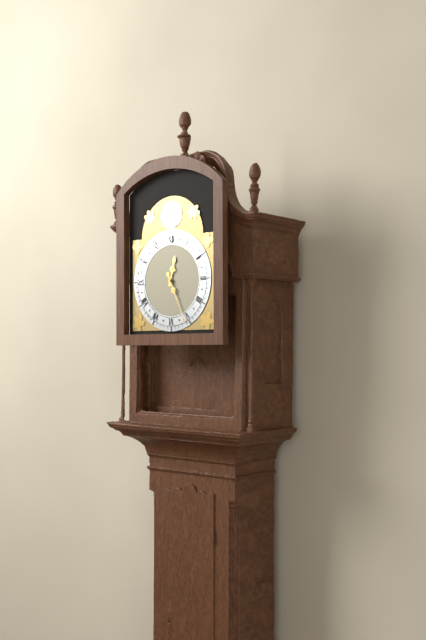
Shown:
12 h 26 min
